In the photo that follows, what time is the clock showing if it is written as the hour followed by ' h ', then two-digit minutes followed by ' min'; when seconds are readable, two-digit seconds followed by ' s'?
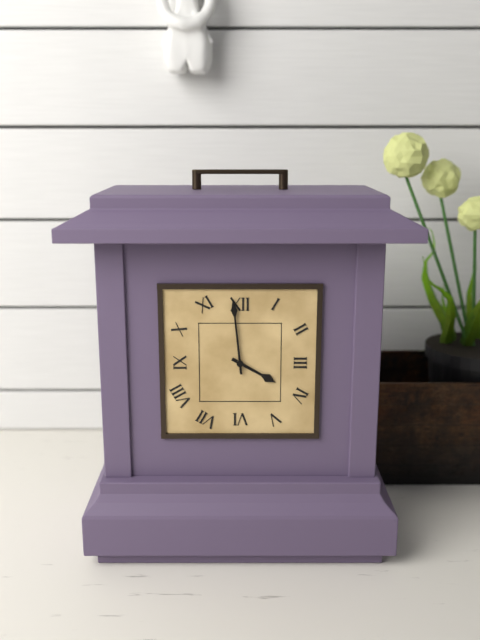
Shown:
3 h 59 min
